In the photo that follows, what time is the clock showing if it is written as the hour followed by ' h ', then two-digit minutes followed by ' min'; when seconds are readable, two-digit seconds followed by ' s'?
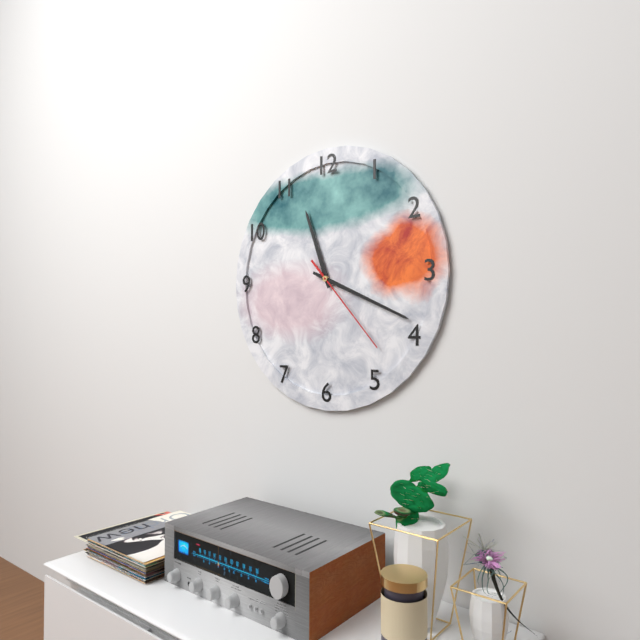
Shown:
11 h 19 min 23 s
